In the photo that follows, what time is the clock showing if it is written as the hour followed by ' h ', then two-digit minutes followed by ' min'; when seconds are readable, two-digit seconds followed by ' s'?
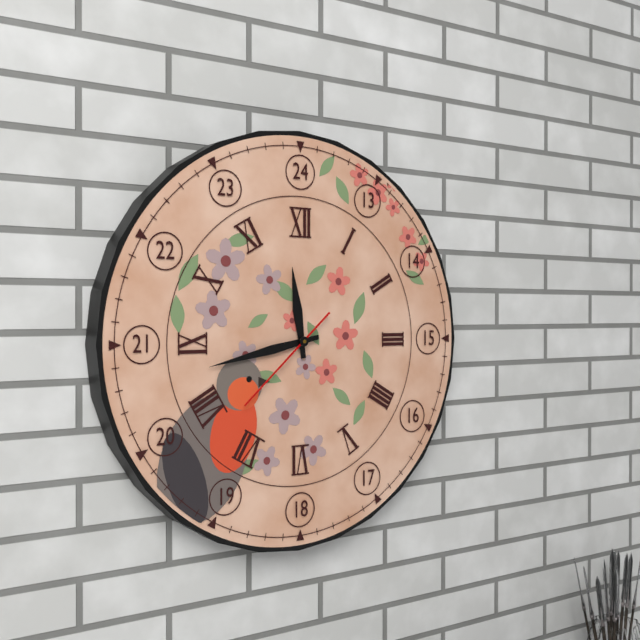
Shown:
11 h 43 min 38 s
